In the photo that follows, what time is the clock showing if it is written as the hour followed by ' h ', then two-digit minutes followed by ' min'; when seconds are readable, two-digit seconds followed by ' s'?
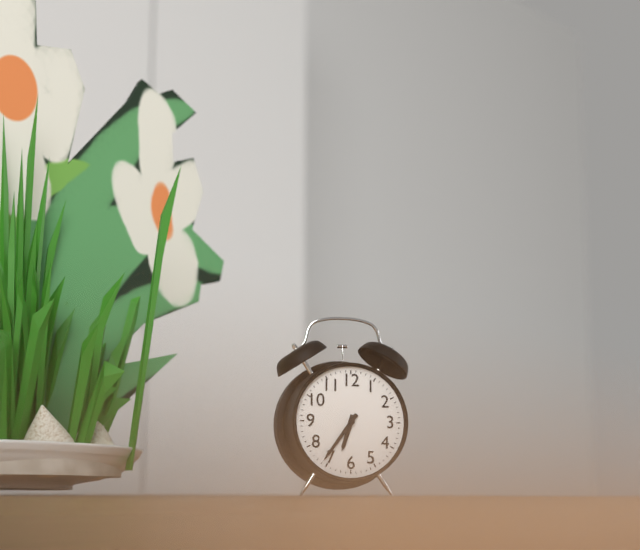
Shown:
6 h 36 min
